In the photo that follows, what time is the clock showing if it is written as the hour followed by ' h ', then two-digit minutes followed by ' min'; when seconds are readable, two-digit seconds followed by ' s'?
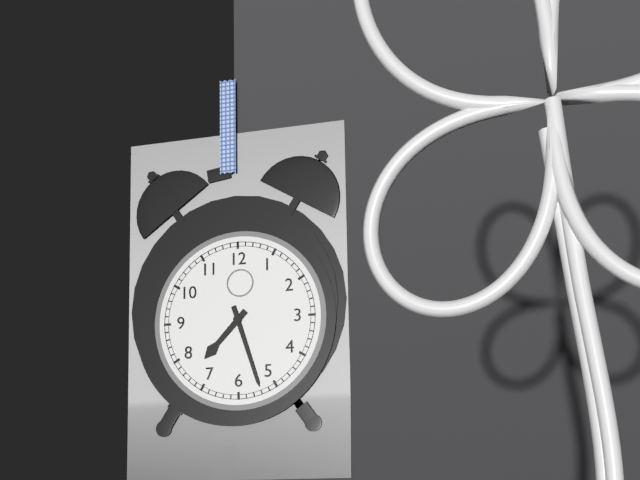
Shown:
7 h 27 min
